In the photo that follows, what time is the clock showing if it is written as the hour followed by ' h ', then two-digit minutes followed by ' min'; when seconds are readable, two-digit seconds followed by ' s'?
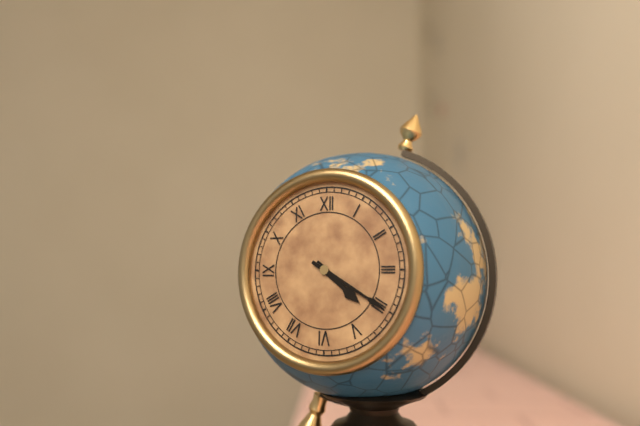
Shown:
4 h 20 min
